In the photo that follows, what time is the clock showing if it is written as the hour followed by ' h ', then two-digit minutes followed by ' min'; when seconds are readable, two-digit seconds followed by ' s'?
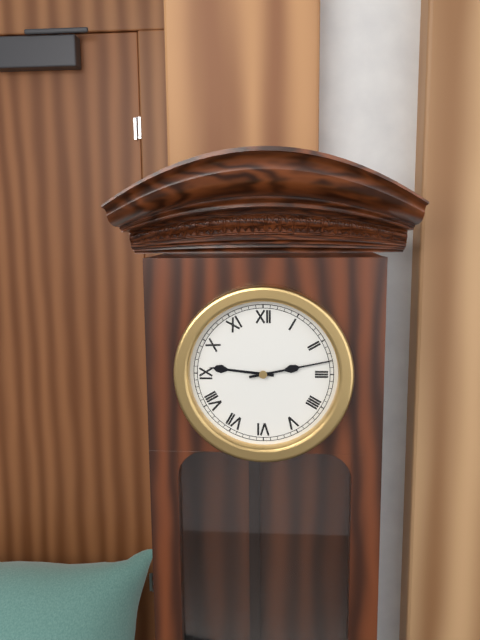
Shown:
9 h 13 min
